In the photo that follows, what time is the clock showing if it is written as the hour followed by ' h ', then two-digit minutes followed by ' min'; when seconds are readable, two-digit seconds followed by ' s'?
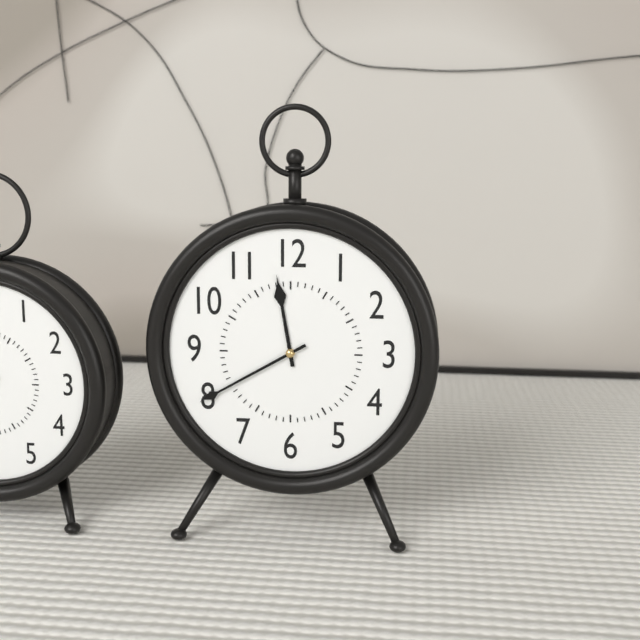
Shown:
11 h 40 min
